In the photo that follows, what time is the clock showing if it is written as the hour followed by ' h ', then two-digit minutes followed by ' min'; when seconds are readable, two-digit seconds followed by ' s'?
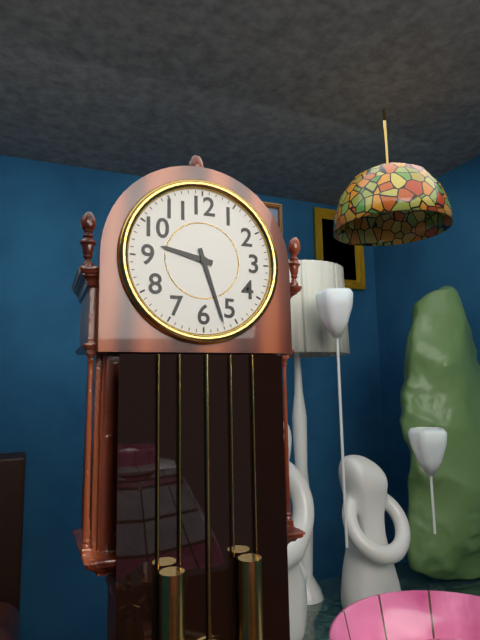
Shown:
9 h 27 min
